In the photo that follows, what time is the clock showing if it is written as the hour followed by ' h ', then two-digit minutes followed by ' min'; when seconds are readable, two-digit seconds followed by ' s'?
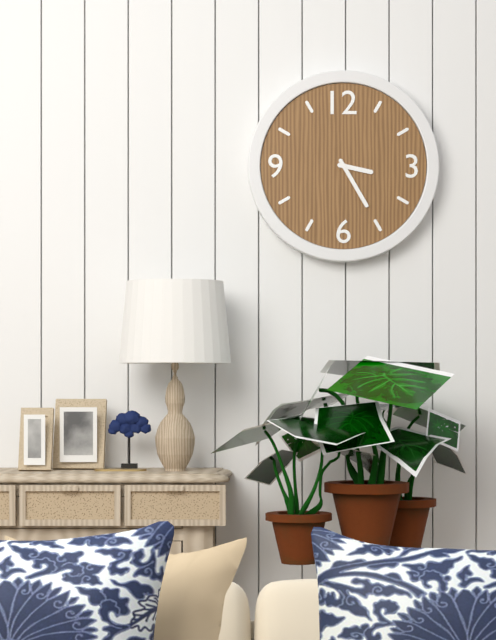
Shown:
3 h 25 min
